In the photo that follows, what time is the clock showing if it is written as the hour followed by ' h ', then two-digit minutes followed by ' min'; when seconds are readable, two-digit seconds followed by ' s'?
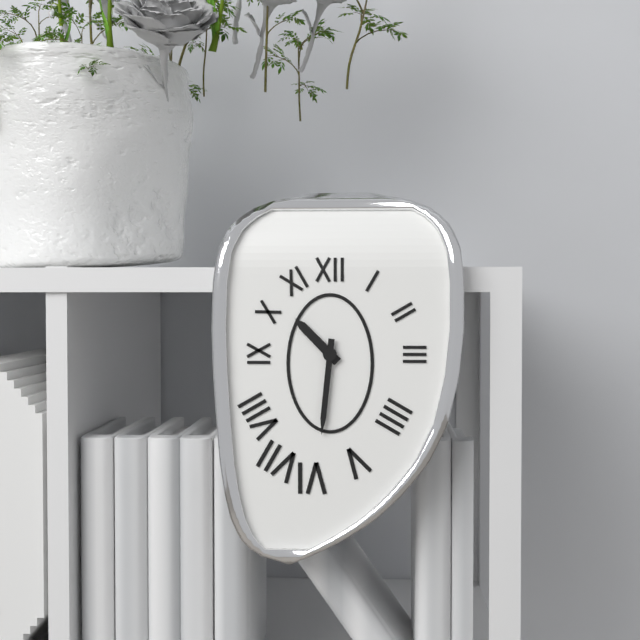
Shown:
10 h 31 min
